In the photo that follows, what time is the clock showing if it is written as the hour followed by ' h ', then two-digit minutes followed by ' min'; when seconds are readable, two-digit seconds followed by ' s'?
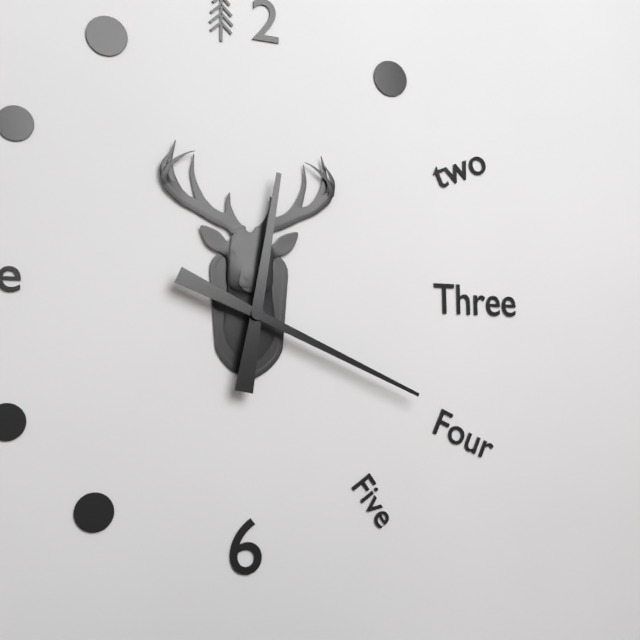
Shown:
12 h 19 min
